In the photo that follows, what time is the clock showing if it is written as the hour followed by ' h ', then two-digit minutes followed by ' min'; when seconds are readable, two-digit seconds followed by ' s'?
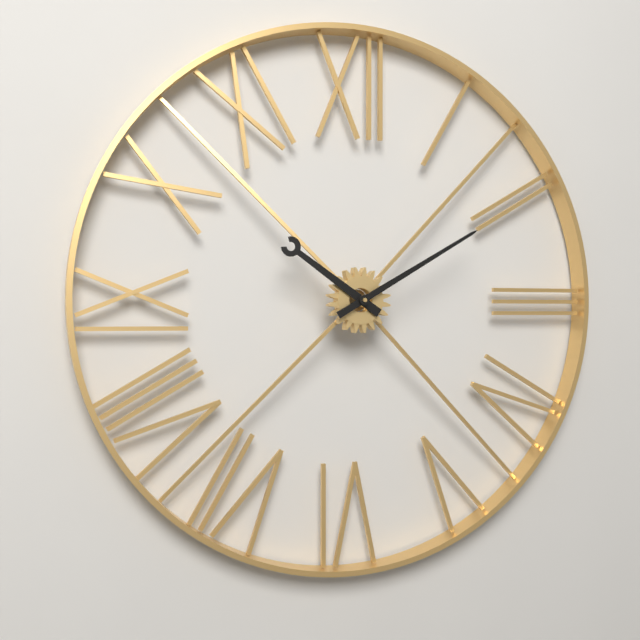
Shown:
10 h 10 min
